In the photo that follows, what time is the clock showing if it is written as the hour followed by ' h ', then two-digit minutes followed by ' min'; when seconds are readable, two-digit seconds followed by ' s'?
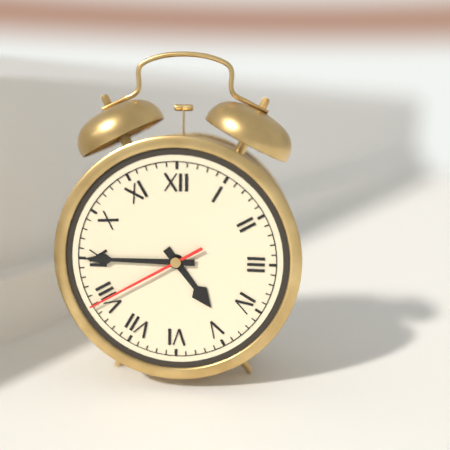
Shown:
4 h 45 min 40 s
